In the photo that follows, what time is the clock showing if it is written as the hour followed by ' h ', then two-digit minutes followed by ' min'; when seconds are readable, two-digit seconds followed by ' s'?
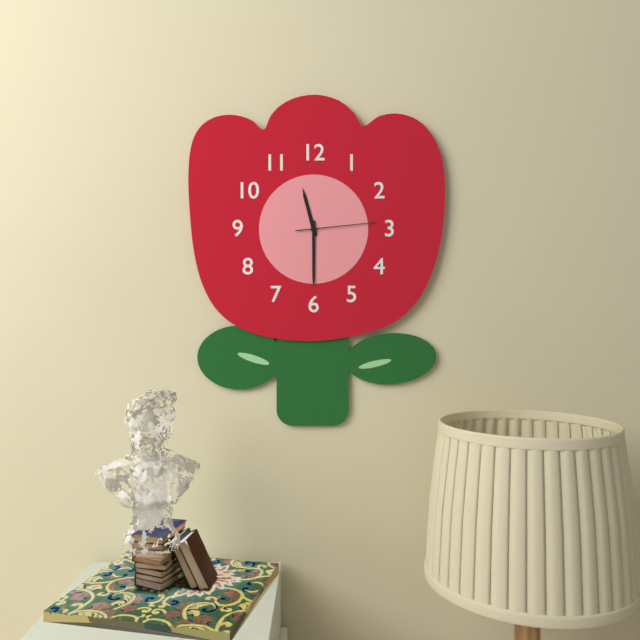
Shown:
11 h 30 min 14 s
